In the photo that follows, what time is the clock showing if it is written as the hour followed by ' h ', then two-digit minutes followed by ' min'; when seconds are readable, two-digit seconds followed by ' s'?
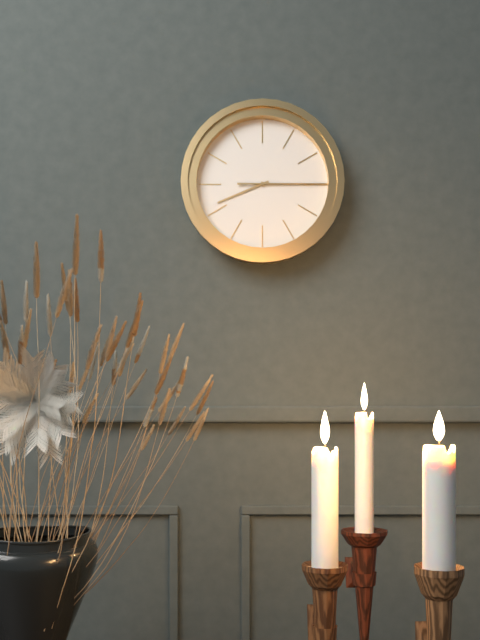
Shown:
8 h 15 min 15 s
